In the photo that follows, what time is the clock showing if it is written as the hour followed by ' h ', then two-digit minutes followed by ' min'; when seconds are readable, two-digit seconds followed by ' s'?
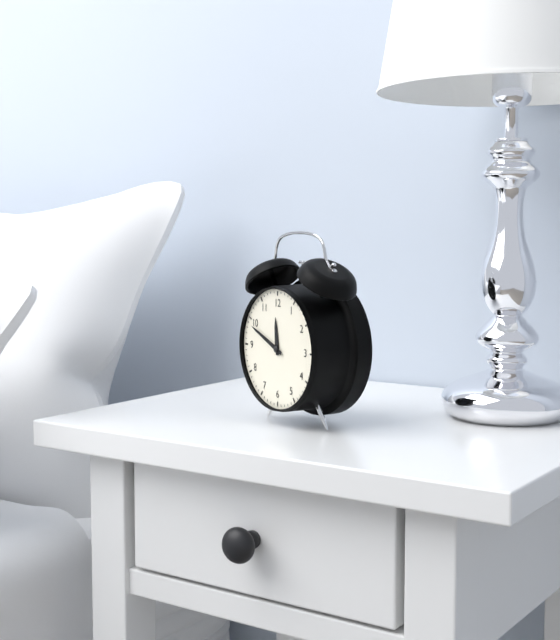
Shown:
11 h 49 min
